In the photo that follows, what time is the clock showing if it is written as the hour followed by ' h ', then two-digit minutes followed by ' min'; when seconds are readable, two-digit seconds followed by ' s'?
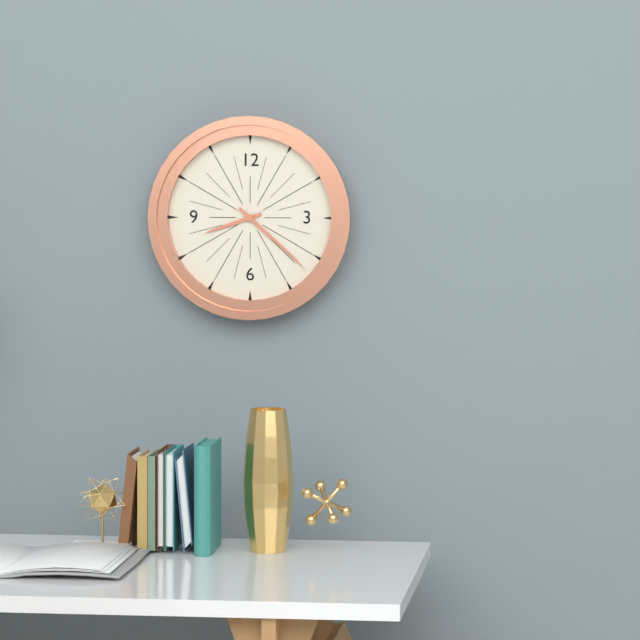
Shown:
8 h 22 min
